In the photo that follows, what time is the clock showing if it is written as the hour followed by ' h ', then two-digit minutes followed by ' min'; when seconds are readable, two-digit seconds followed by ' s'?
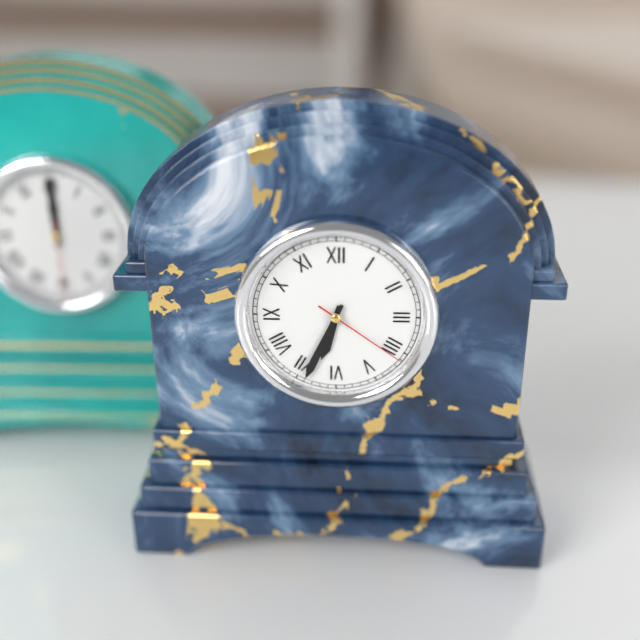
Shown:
6 h 34 min 21 s
